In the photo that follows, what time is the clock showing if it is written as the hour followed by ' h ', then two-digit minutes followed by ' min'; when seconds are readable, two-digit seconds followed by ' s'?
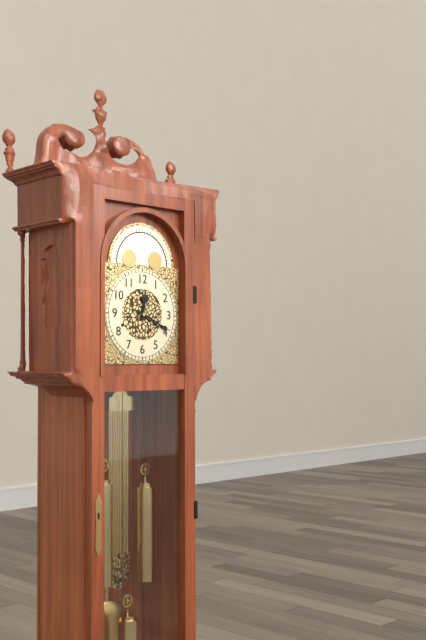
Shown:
12 h 19 min
